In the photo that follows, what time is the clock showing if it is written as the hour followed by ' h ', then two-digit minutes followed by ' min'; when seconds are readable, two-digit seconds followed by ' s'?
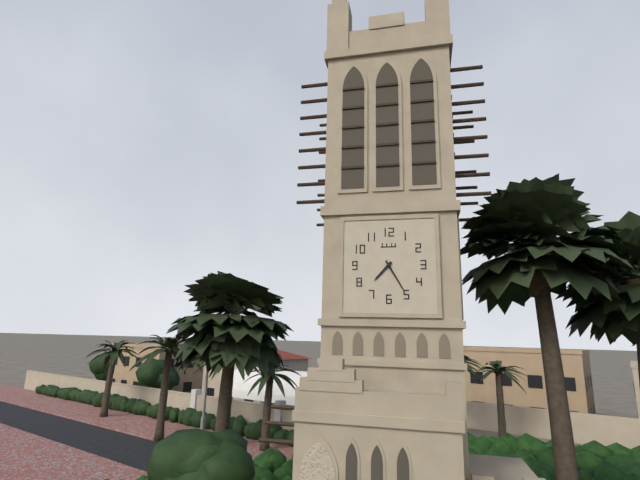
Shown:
7 h 25 min
